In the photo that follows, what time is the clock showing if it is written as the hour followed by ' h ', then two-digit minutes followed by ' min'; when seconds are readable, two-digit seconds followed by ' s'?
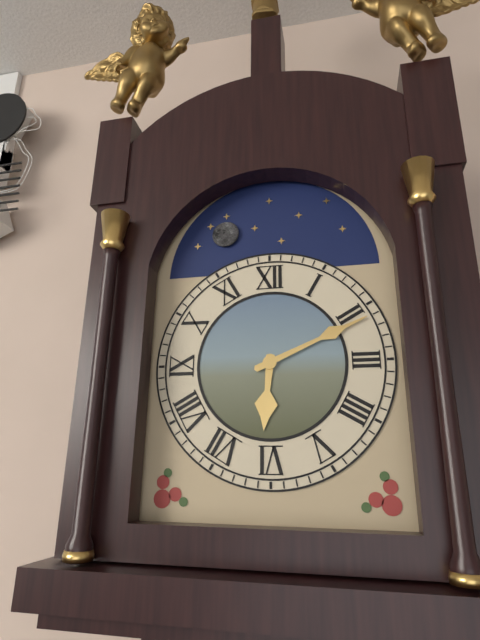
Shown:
6 h 11 min
